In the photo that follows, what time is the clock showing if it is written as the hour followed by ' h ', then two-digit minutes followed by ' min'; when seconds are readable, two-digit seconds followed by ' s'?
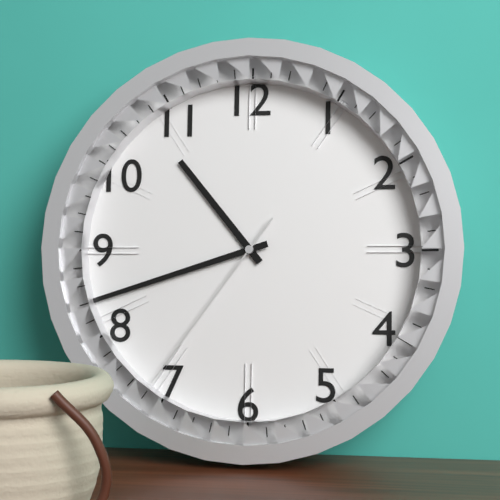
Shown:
10 h 42 min 36 s
